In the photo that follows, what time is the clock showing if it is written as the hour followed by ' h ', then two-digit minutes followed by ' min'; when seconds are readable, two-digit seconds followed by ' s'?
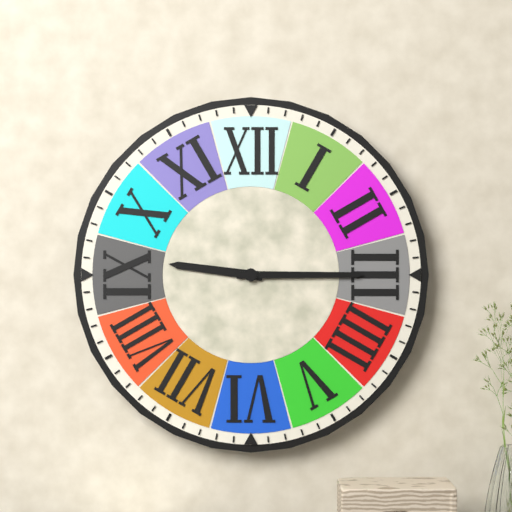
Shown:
9 h 15 min
